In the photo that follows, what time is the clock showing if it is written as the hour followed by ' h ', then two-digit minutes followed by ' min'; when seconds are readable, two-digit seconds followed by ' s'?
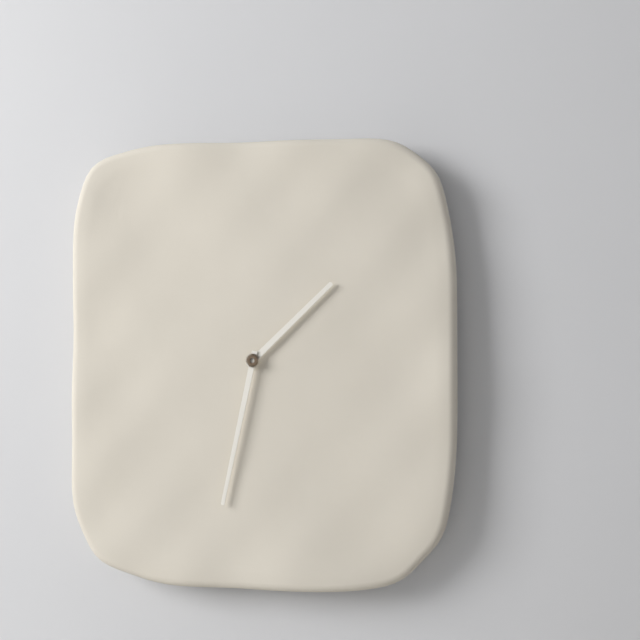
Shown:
1 h 32 min
